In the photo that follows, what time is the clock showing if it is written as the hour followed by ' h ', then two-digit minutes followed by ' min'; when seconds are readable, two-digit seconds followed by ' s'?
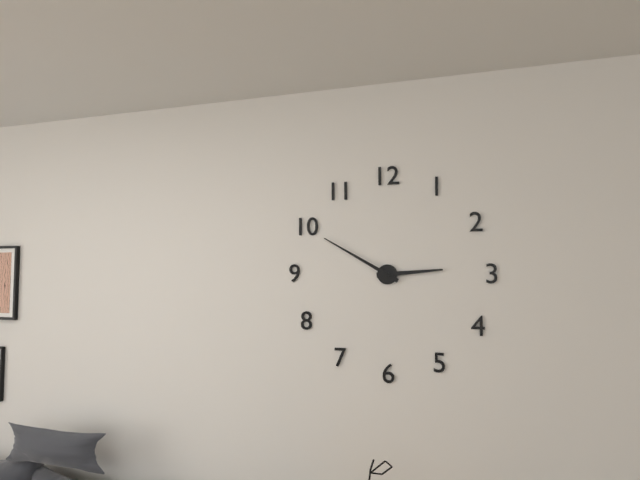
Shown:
2 h 50 min
